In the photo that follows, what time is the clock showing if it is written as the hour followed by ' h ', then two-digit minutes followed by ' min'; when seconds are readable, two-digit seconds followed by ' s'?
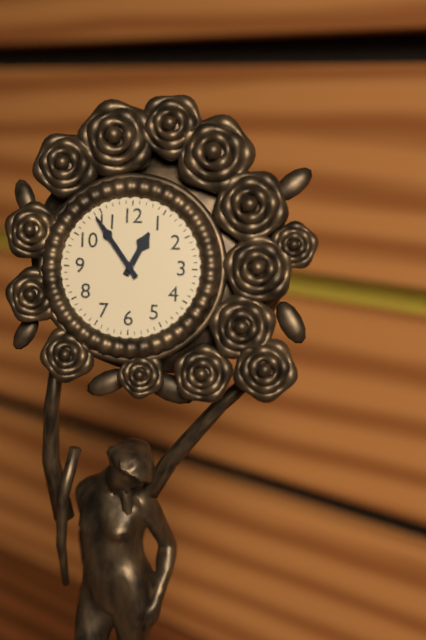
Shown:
12 h 54 min
